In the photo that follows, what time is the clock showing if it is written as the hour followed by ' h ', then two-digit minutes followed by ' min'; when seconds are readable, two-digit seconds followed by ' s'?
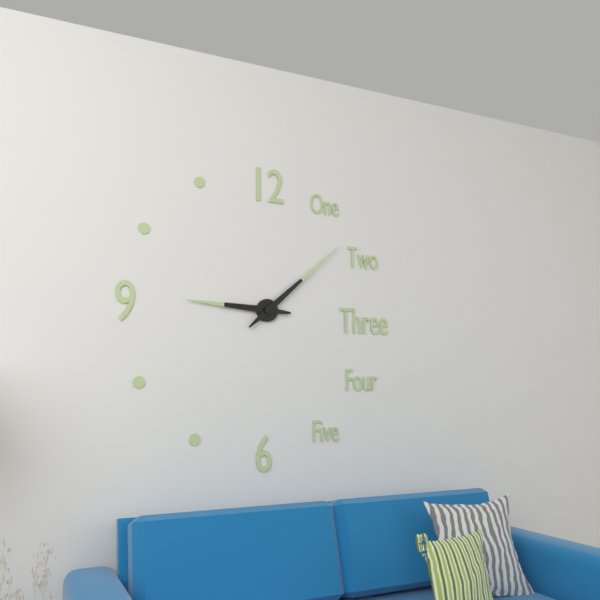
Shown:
9 h 08 min
